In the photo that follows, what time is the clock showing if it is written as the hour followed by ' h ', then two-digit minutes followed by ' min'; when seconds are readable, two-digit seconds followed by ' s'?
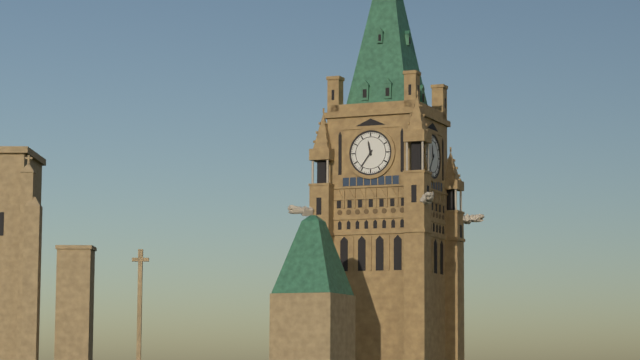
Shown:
11 h 36 min
